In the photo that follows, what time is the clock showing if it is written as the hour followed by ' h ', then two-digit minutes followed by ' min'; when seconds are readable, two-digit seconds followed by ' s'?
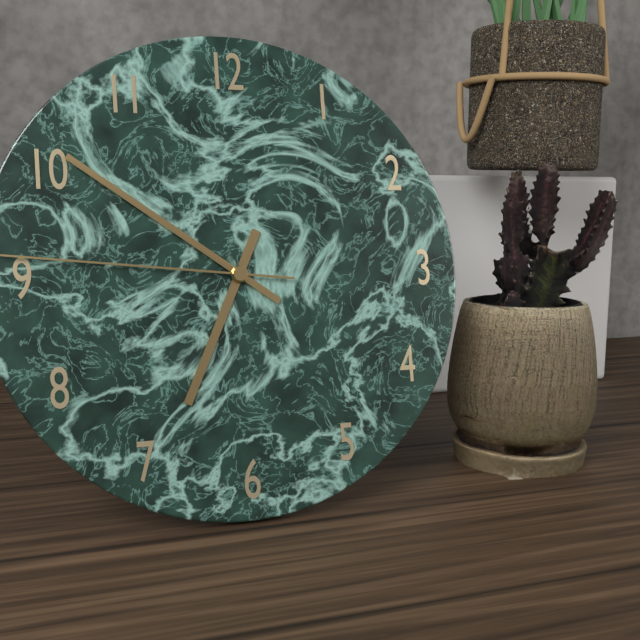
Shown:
6 h 51 min 46 s
